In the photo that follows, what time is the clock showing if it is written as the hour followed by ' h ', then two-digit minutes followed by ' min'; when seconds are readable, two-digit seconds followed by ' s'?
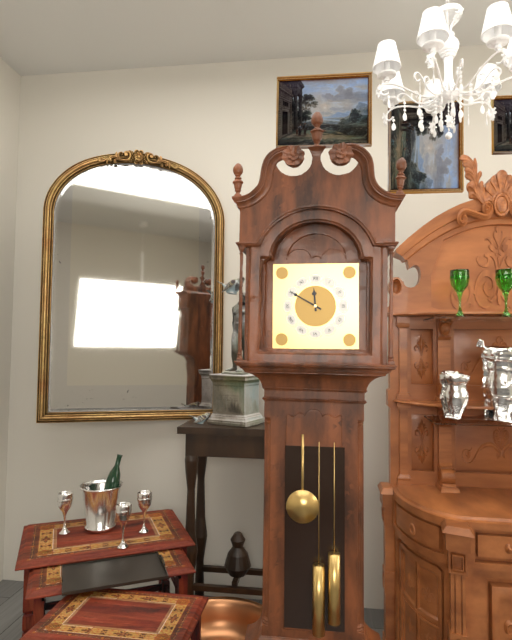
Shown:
11 h 50 min
